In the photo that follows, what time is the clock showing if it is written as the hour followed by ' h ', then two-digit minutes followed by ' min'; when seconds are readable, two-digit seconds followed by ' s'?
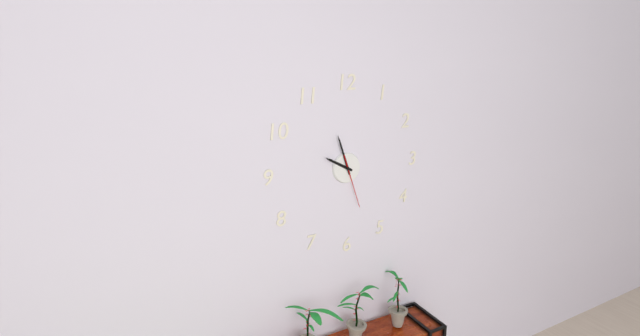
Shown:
9 h 57 min 27 s
